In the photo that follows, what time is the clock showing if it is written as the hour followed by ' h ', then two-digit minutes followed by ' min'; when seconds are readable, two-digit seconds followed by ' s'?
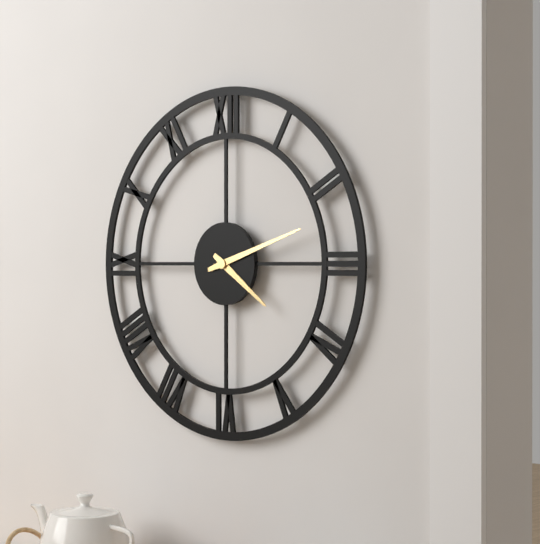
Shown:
4 h 12 min
